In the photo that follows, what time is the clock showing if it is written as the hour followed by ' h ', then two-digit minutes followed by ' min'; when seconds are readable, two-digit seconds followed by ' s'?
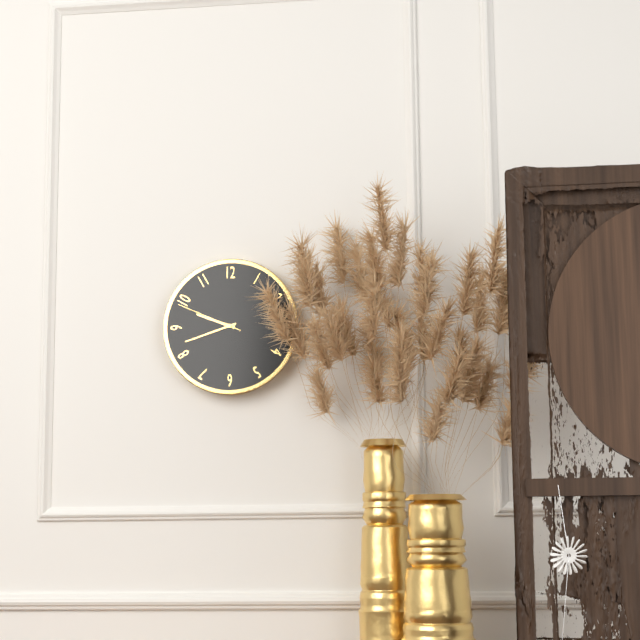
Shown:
9 h 42 min 49 s
